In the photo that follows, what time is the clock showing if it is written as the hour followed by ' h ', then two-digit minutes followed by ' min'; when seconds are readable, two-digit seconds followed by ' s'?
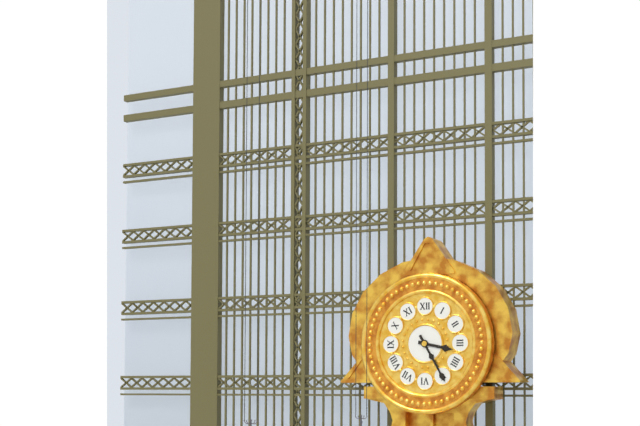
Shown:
3 h 25 min
